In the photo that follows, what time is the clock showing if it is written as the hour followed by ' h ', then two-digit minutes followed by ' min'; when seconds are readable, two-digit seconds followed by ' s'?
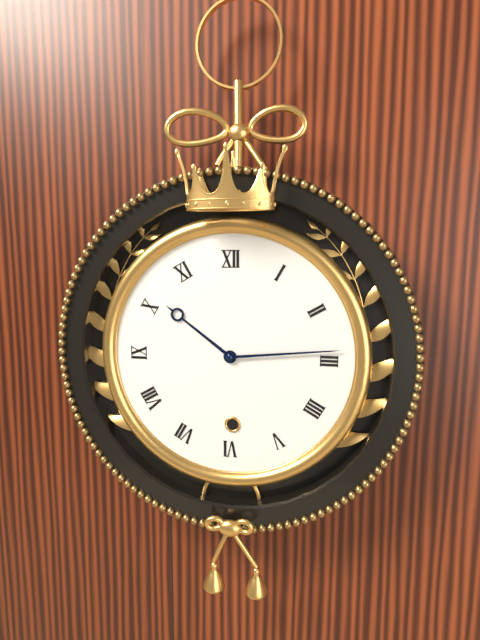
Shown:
10 h 14 min
